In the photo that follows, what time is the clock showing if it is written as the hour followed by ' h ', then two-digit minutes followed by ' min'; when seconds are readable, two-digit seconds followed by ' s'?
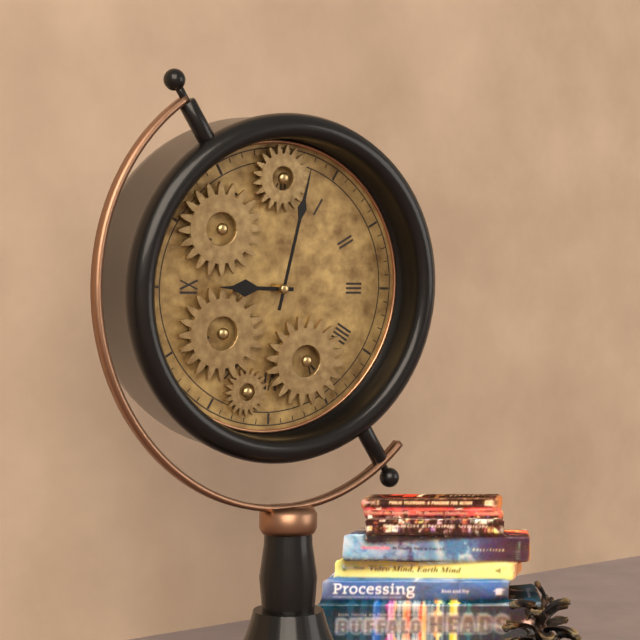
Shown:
9 h 02 min
